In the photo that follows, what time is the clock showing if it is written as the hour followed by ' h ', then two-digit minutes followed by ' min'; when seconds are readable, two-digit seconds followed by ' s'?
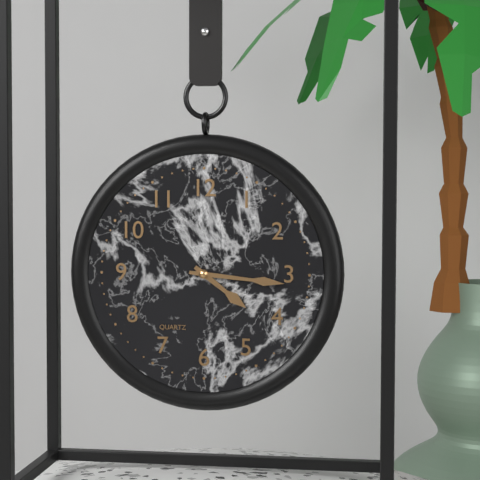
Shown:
4 h 16 min
